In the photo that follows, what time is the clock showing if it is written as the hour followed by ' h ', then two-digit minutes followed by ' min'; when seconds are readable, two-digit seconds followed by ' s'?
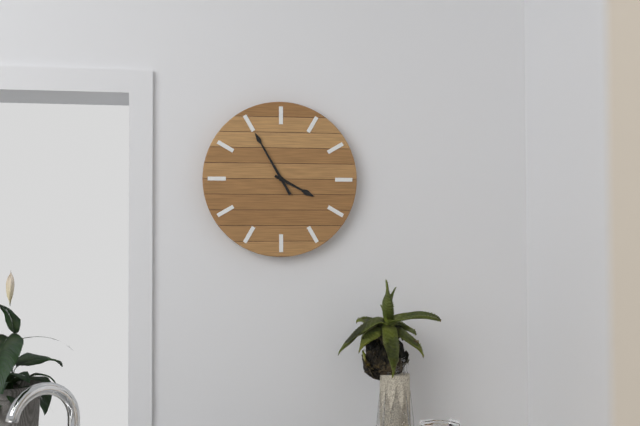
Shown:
3 h 55 min
